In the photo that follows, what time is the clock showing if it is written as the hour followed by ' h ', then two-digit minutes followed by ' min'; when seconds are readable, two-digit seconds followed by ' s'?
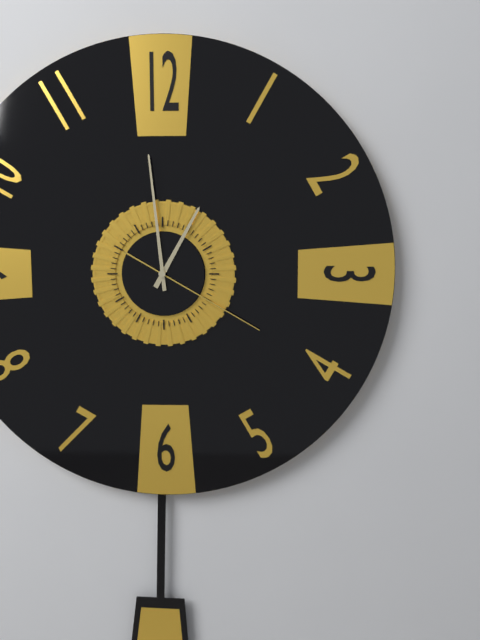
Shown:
12 h 59 min 20 s
